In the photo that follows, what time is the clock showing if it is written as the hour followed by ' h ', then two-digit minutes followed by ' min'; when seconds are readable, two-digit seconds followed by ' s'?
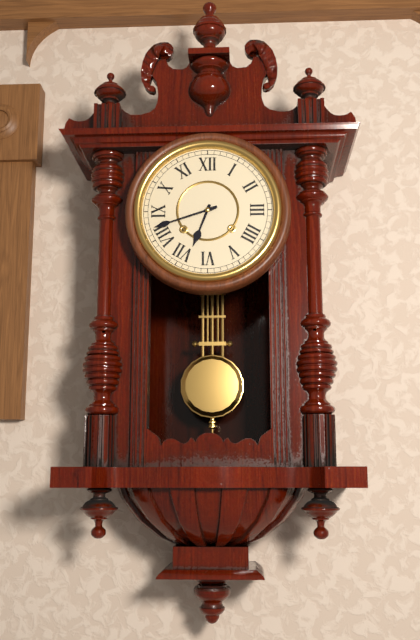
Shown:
6 h 42 min
